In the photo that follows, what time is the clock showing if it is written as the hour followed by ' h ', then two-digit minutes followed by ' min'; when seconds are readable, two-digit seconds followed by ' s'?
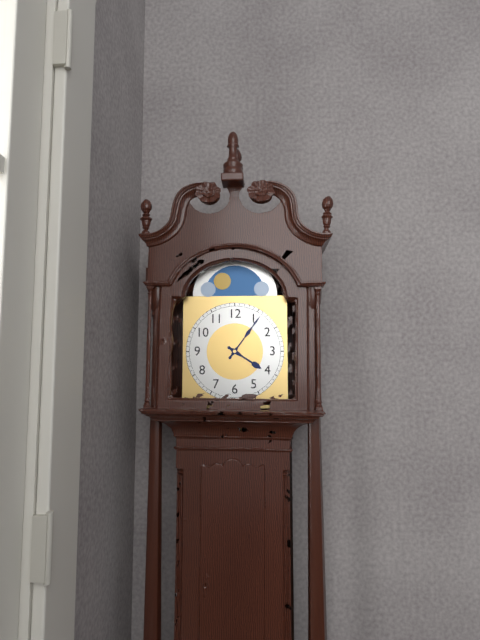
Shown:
4 h 06 min
